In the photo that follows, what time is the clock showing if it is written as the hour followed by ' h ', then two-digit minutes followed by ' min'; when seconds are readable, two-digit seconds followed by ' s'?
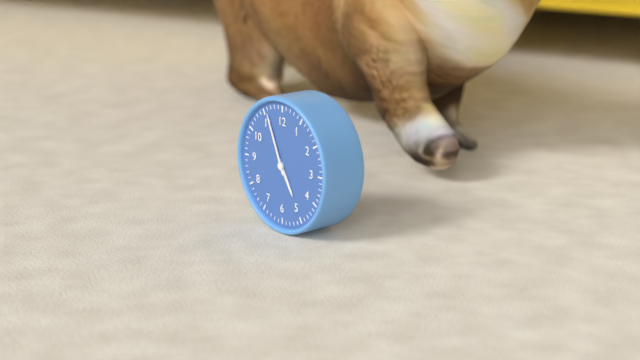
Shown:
4 h 56 min
